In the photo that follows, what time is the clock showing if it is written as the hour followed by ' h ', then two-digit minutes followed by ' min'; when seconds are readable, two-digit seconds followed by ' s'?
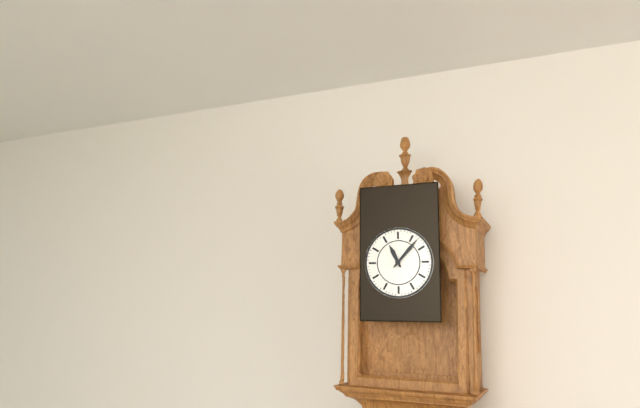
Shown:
11 h 07 min
